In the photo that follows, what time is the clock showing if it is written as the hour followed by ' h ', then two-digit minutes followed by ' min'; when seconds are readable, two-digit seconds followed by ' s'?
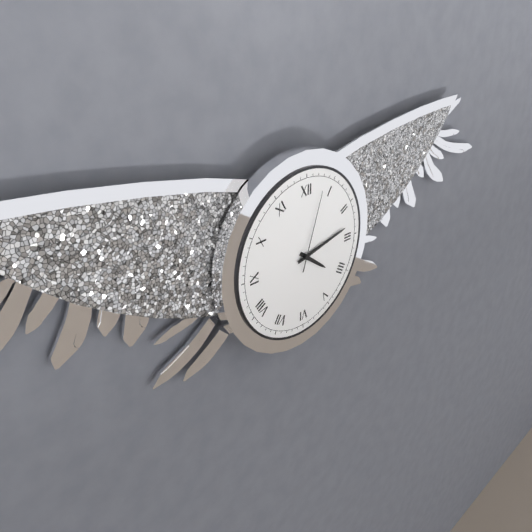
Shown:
4 h 13 min 03 s
